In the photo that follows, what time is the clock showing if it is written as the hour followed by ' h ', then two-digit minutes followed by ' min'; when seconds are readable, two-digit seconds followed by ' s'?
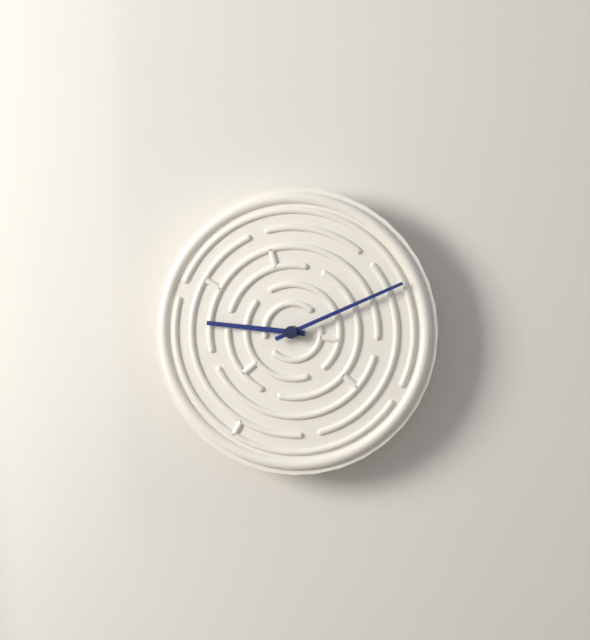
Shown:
9 h 11 min
